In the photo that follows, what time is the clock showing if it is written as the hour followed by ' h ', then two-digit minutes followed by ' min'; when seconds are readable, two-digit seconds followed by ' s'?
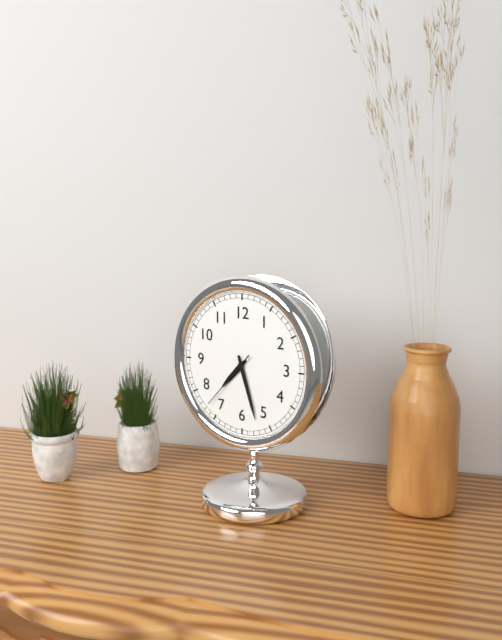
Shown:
7 h 27 min 37 s
